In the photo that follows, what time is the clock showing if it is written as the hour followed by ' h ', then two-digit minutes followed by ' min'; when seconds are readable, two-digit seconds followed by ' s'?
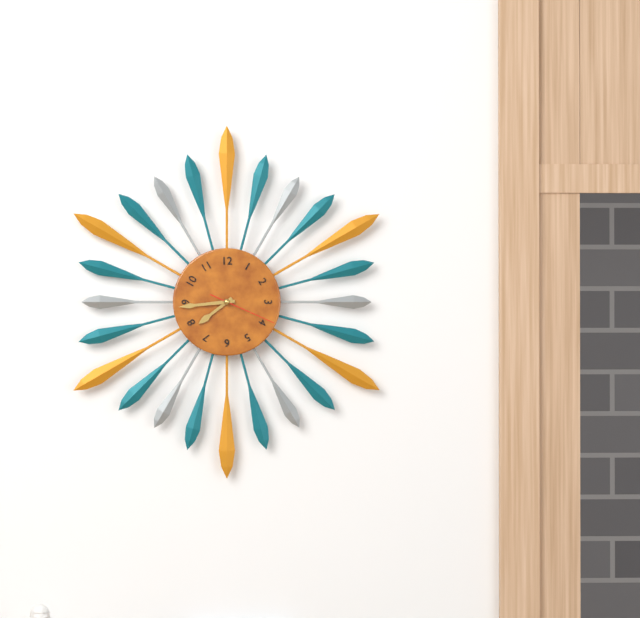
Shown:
7 h 44 min 19 s
